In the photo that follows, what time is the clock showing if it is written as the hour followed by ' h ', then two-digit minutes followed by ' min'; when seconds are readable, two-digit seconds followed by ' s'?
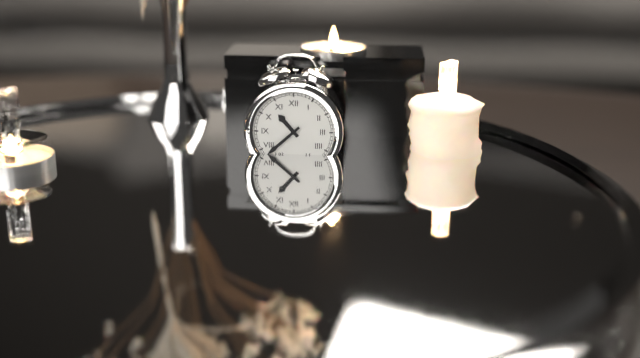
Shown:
10 h 38 min
